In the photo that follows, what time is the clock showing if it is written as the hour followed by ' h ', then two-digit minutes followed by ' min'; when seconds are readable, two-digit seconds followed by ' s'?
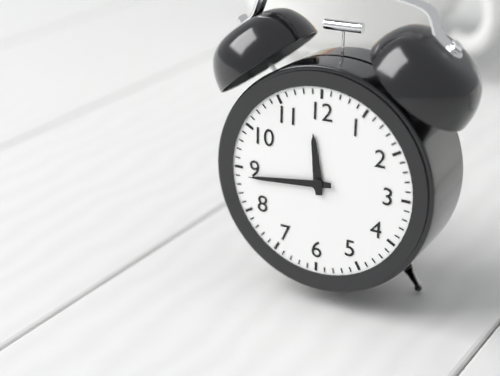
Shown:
11 h 44 min
